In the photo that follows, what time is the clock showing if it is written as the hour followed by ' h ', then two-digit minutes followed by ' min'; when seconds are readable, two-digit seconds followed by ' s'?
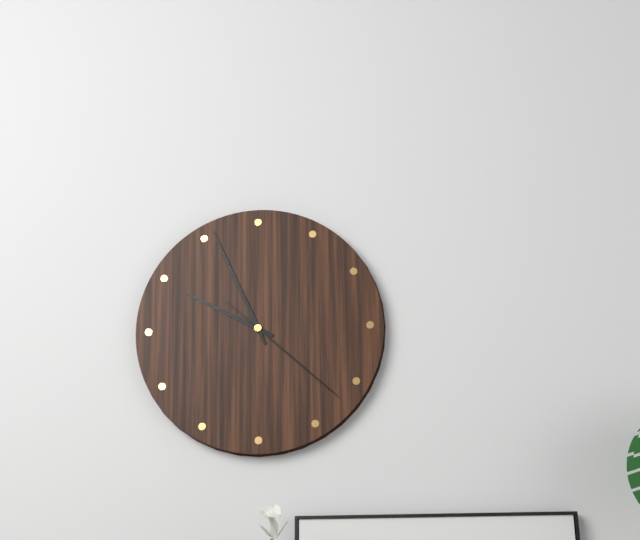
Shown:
9 h 56 min 22 s
